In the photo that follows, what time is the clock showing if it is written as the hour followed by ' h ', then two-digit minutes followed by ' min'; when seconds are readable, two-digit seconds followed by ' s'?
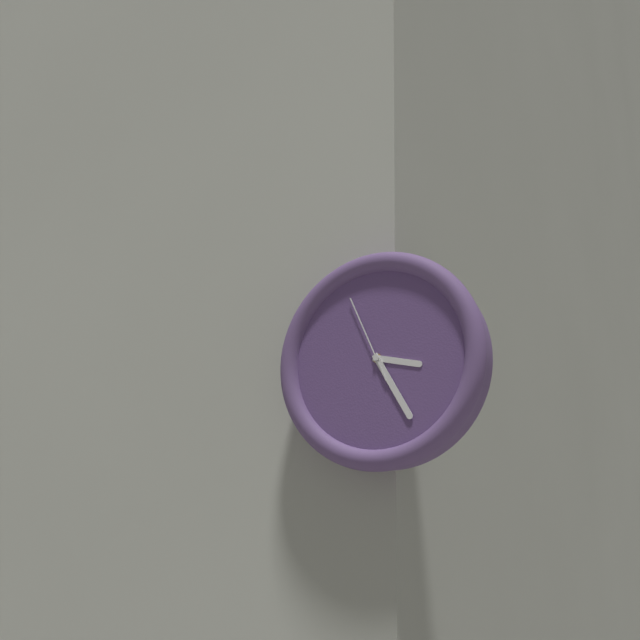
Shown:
3 h 25 min 56 s
